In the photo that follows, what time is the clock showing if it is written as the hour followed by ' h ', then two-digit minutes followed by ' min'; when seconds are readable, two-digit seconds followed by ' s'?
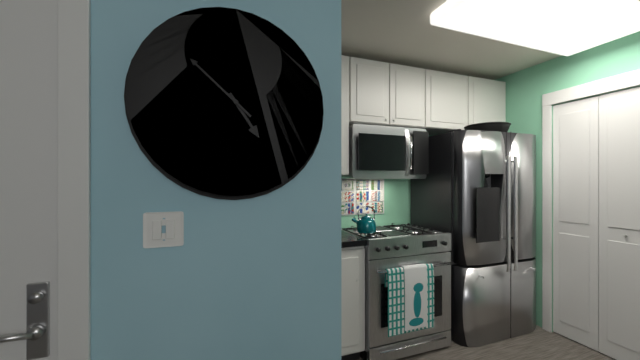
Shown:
4 h 52 min
